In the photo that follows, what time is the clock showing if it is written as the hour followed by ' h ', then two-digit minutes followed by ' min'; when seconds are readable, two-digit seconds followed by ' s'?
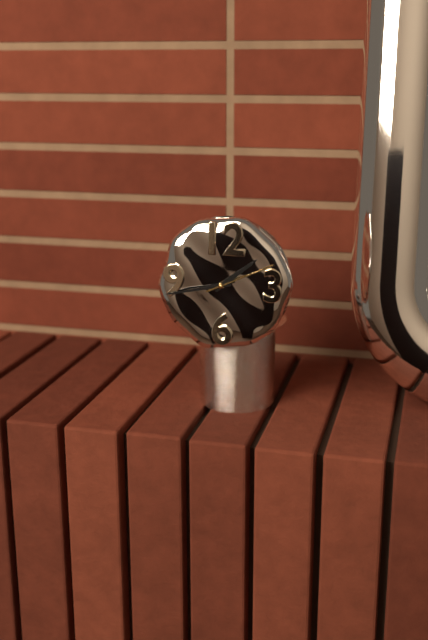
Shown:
1 h 43 min 11 s
